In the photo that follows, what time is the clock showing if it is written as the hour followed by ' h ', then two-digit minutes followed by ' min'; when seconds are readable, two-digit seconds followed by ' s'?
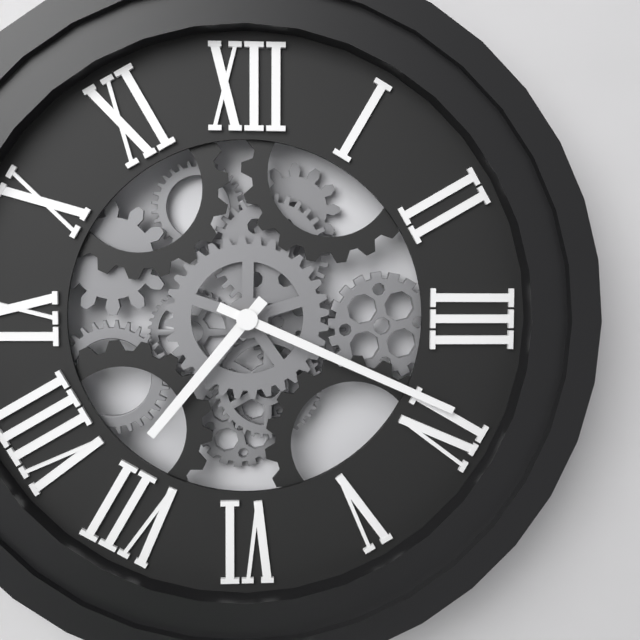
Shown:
7 h 19 min
